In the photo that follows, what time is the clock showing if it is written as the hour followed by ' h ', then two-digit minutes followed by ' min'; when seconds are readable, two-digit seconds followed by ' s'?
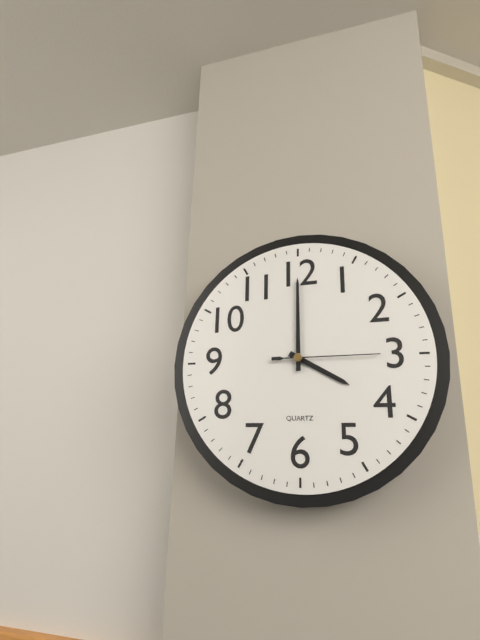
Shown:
4 h 00 min 15 s
